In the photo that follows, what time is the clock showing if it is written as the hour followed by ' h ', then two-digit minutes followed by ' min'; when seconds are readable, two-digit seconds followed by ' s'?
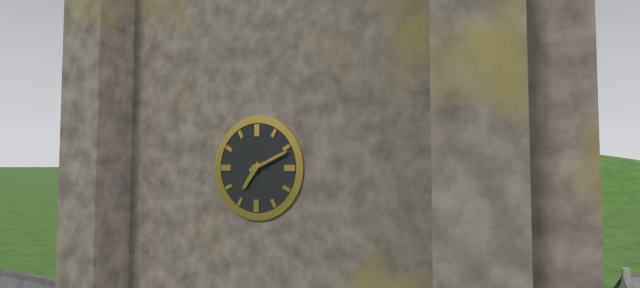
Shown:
7 h 11 min
